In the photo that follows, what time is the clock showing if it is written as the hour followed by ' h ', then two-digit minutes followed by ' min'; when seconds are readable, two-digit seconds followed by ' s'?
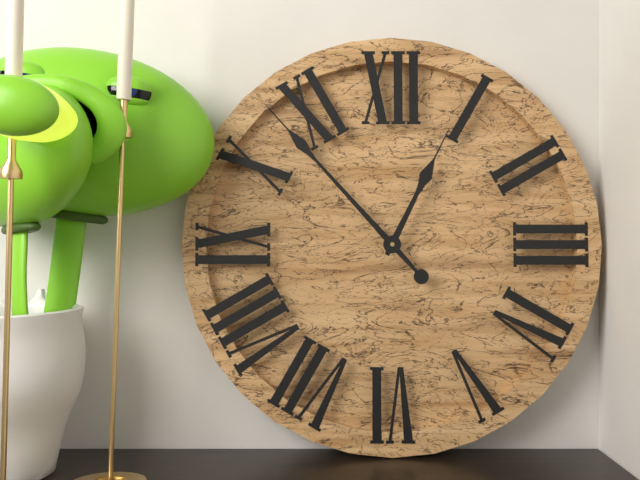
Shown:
12 h 53 min
